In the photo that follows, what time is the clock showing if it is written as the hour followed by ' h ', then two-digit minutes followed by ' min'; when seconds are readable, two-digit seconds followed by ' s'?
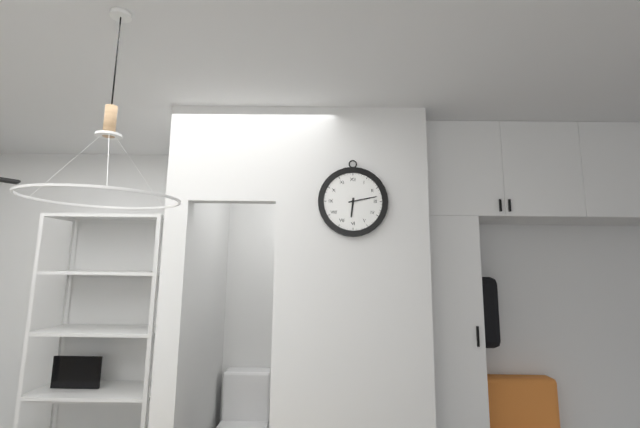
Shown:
6 h 13 min
